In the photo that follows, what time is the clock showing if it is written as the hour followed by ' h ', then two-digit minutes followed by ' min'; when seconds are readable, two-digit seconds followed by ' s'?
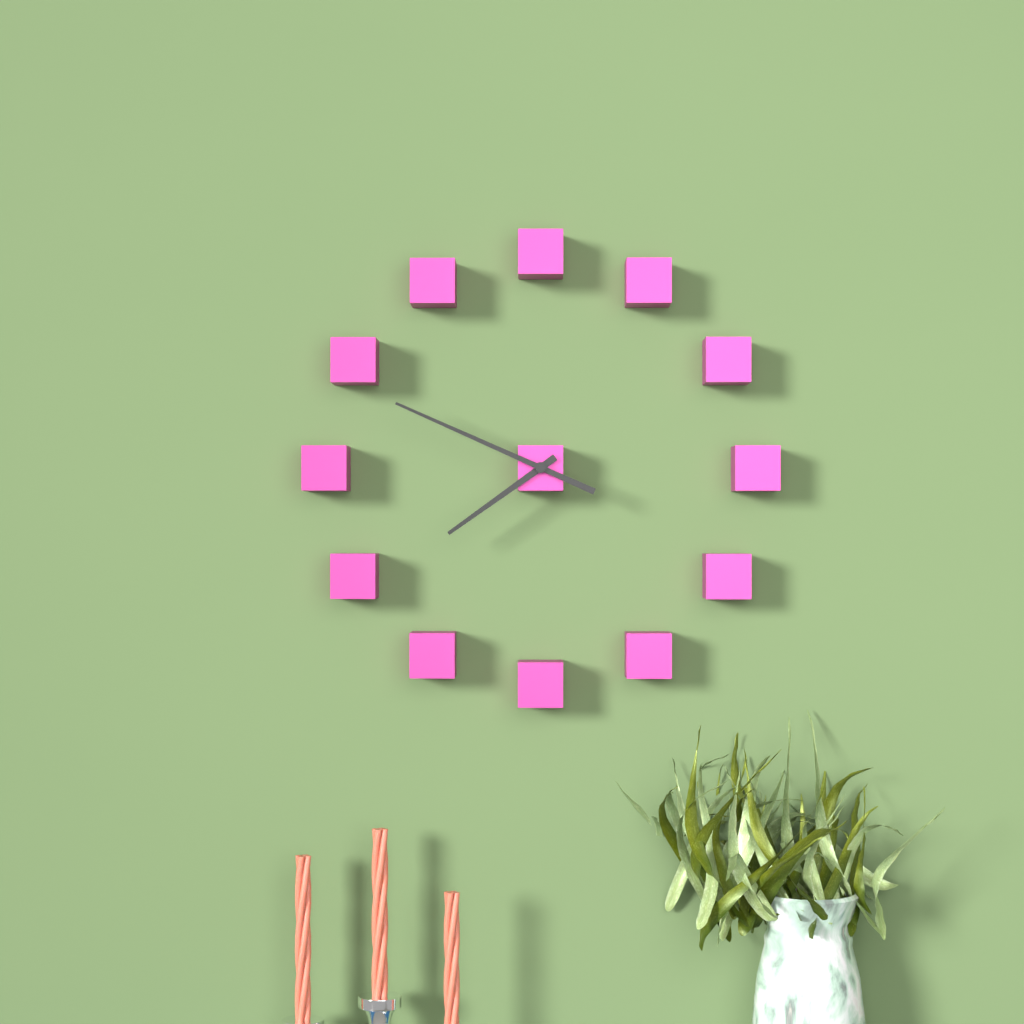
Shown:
7 h 49 min
